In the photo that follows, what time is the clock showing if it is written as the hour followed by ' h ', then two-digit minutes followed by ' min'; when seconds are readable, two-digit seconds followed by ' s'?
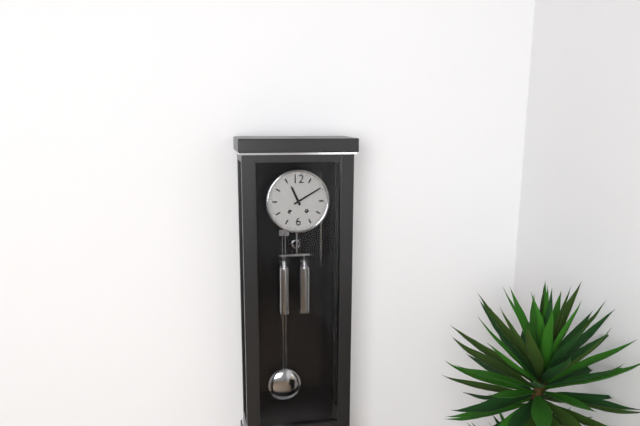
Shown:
11 h 10 min
